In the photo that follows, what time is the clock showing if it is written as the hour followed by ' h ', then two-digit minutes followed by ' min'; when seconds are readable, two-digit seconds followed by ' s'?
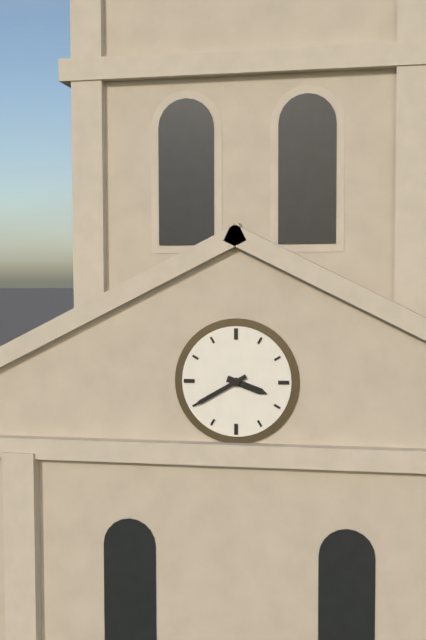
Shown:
3 h 40 min
